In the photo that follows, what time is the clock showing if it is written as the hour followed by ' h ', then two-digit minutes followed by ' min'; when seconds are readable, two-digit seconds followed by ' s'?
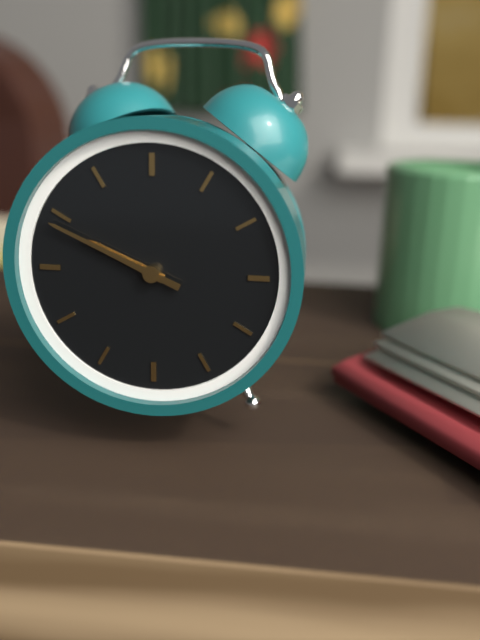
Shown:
9 h 49 min
